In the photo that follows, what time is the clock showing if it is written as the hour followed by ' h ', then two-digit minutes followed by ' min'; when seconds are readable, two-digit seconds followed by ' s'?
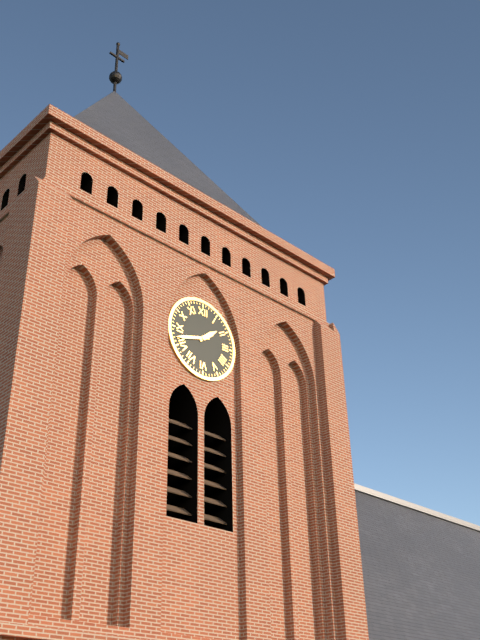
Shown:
1 h 42 min
